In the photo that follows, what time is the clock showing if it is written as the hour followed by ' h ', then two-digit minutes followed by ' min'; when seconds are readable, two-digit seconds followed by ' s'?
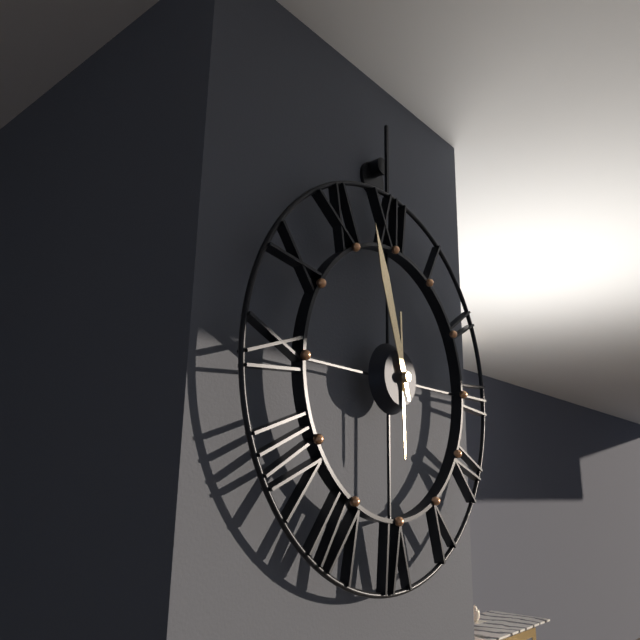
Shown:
5 h 57 min
